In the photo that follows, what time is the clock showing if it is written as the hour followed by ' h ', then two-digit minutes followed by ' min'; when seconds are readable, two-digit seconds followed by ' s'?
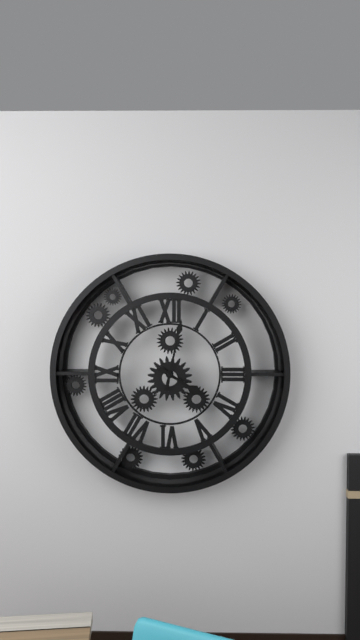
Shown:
4 h 02 min
